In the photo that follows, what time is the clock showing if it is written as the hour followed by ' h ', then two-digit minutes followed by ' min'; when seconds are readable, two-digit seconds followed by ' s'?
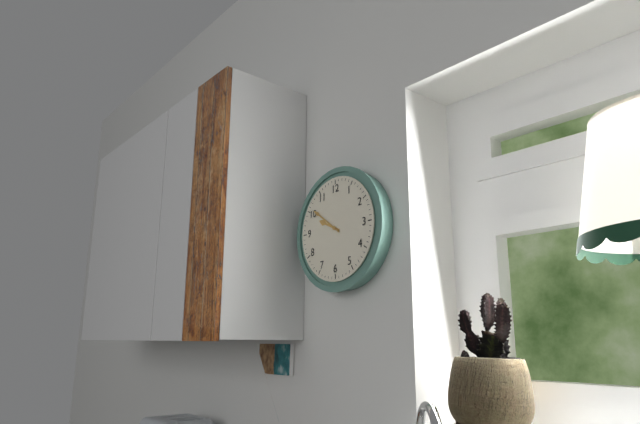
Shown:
9 h 51 min
